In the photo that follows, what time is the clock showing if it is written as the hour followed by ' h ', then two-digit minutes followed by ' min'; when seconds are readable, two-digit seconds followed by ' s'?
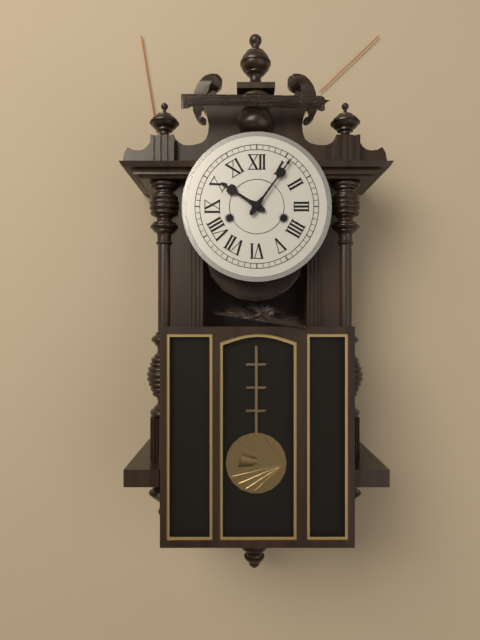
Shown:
10 h 06 min
